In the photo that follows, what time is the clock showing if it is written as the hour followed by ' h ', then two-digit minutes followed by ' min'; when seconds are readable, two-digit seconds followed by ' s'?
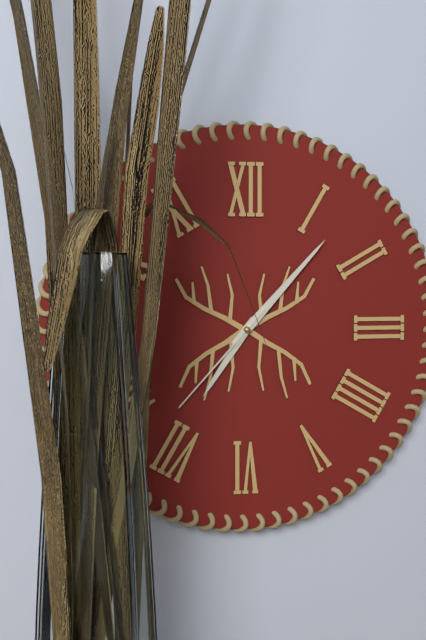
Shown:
7 h 07 min 37 s
